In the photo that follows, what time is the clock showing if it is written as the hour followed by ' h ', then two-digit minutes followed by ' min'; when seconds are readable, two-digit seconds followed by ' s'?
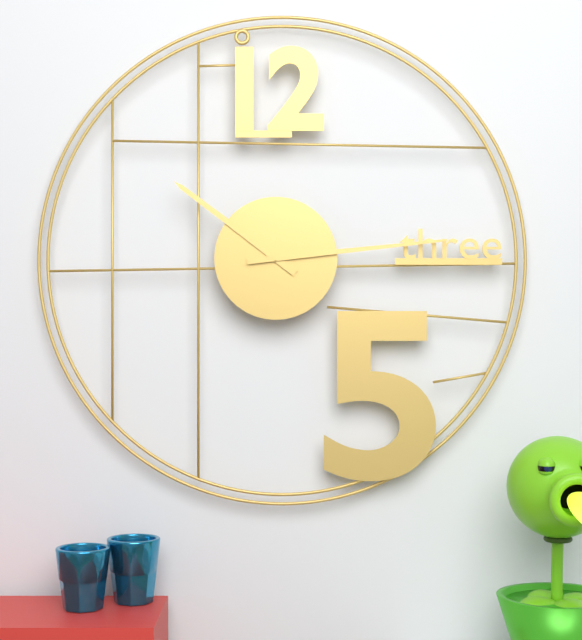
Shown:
10 h 14 min
